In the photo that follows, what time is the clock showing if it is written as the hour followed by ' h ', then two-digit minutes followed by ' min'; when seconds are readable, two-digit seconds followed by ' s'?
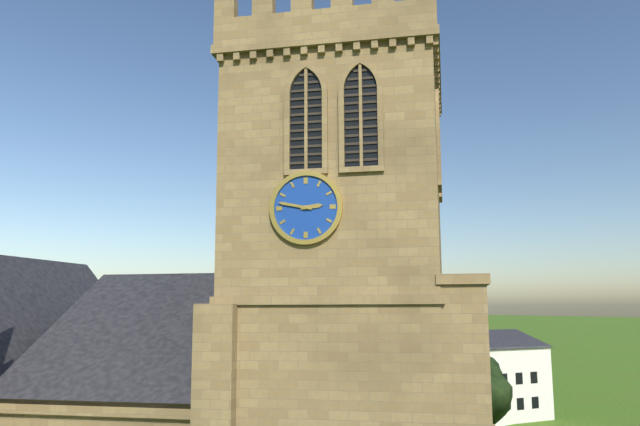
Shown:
2 h 47 min
